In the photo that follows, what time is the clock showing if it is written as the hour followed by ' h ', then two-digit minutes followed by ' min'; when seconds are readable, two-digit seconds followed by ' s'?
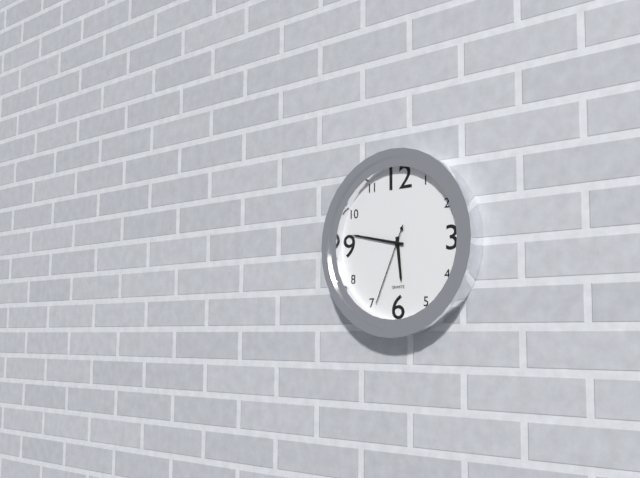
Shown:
5 h 47 min 34 s
